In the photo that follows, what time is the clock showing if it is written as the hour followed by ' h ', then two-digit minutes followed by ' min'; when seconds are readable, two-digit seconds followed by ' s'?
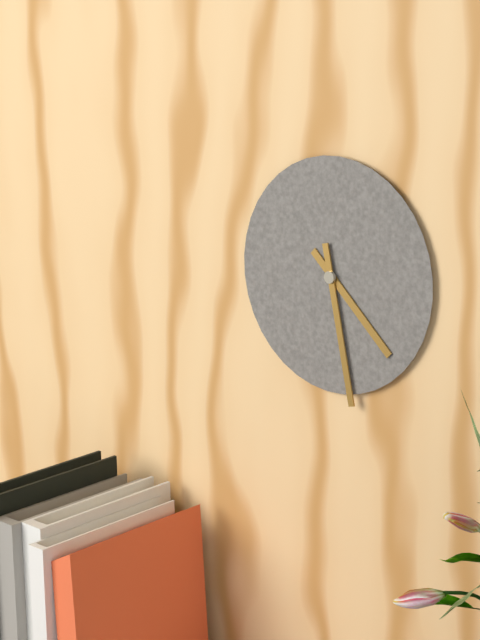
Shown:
4 h 28 min
